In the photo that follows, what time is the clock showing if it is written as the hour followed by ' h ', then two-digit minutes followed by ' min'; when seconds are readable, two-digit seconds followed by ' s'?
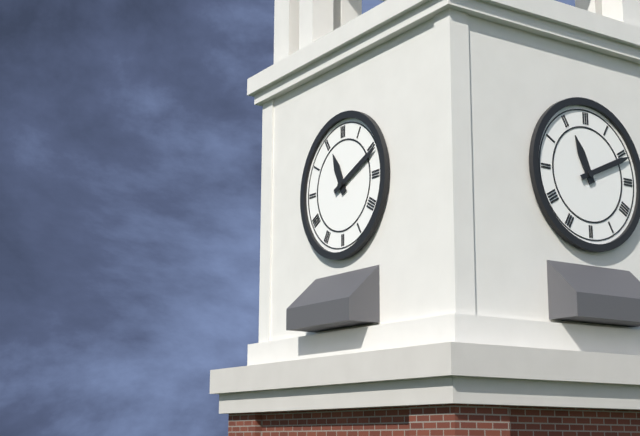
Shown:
11 h 11 min
